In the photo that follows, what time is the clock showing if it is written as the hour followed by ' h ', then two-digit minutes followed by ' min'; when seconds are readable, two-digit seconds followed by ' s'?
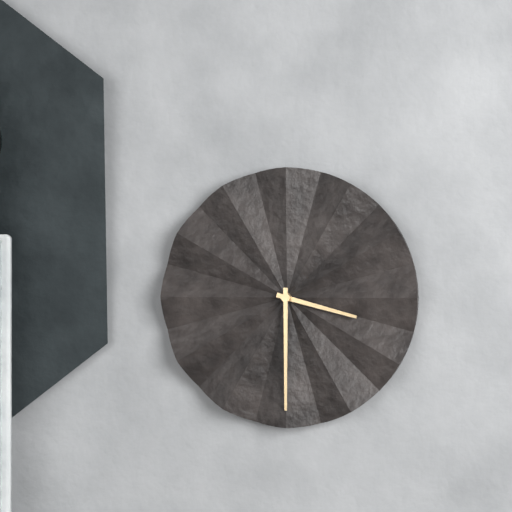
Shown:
3 h 30 min
